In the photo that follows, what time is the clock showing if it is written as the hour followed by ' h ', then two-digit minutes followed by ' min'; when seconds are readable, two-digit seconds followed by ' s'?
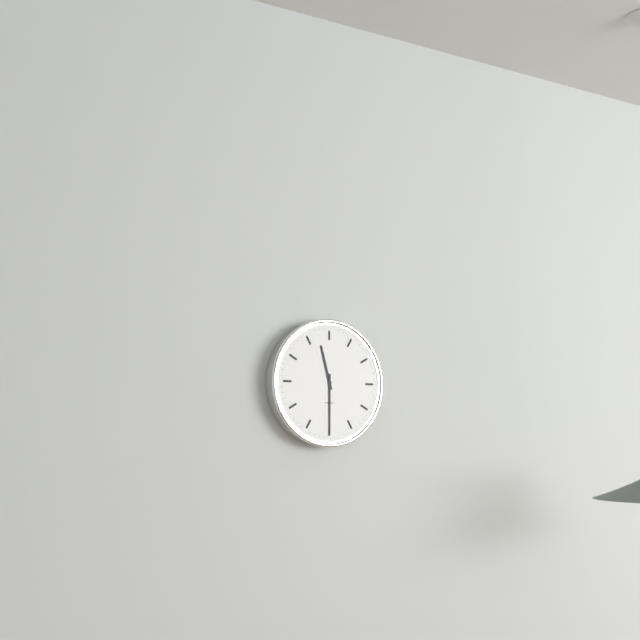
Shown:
11 h 30 min
